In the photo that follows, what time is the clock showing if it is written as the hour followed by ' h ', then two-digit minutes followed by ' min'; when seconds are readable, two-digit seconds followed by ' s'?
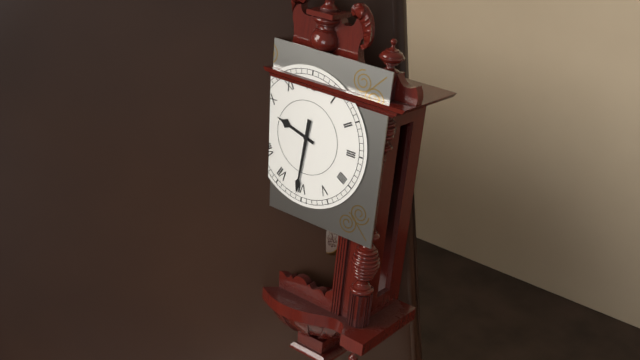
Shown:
9 h 31 min
